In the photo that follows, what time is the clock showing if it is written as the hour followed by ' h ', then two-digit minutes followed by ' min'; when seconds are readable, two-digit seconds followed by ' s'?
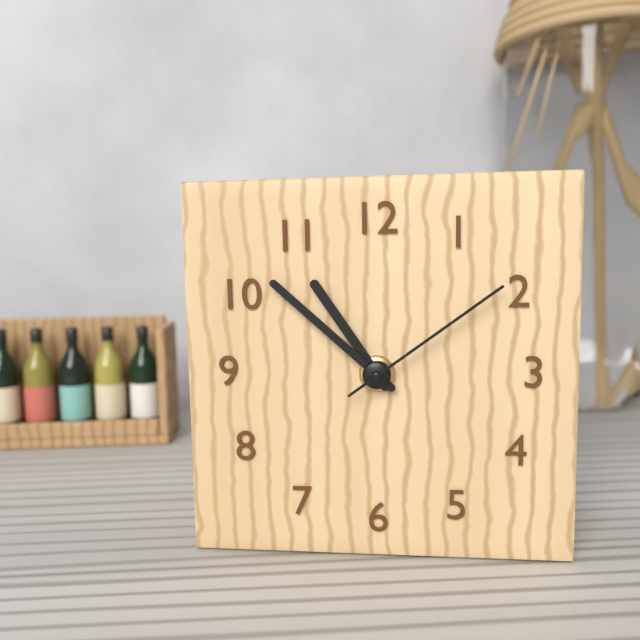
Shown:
10 h 52 min 09 s
